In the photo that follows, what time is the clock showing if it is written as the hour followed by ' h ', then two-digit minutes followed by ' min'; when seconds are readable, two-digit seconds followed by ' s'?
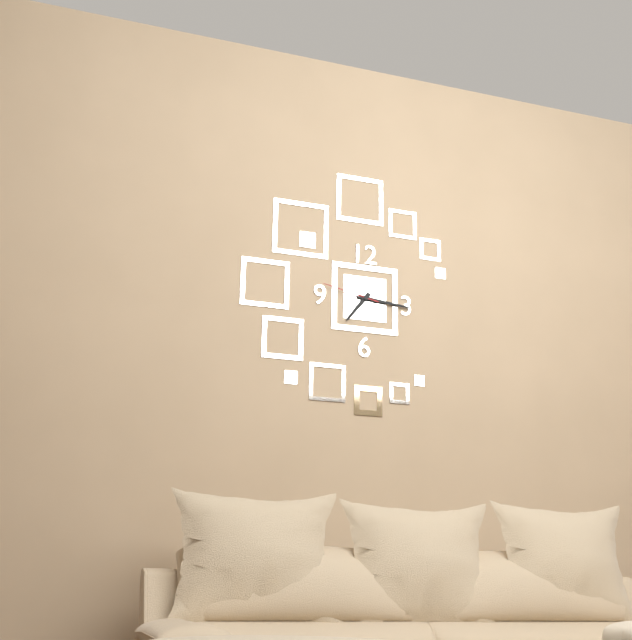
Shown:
7 h 16 min 47 s
